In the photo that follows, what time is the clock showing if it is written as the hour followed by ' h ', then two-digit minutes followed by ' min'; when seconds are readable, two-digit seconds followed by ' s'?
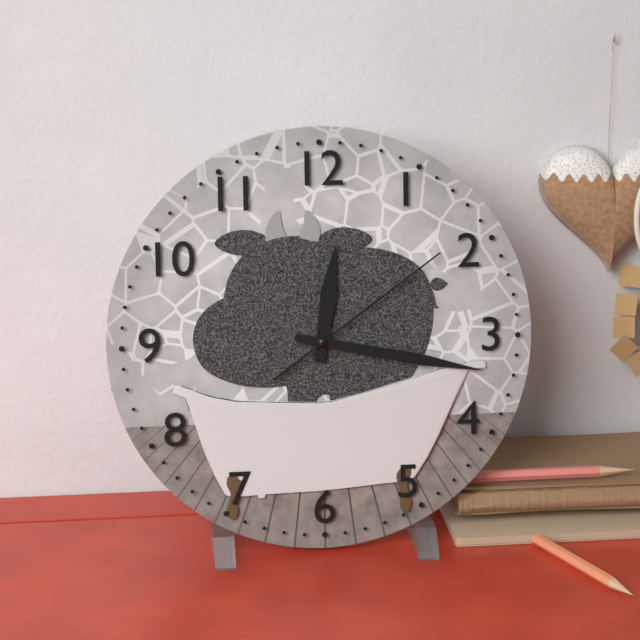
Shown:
12 h 17 min 09 s
